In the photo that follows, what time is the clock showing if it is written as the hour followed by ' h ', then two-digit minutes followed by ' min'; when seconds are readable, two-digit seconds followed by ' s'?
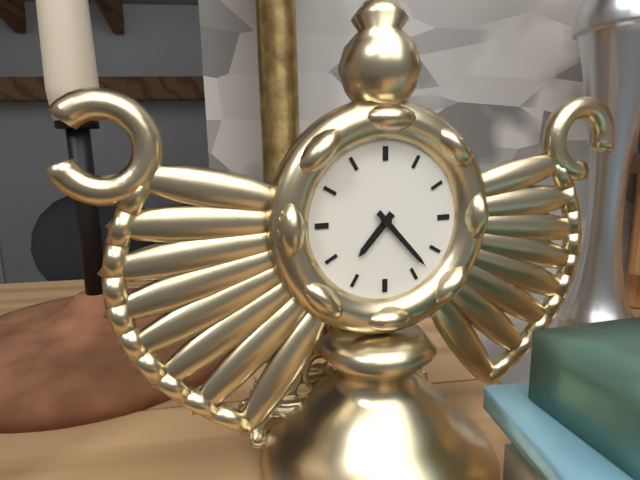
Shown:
7 h 23 min
